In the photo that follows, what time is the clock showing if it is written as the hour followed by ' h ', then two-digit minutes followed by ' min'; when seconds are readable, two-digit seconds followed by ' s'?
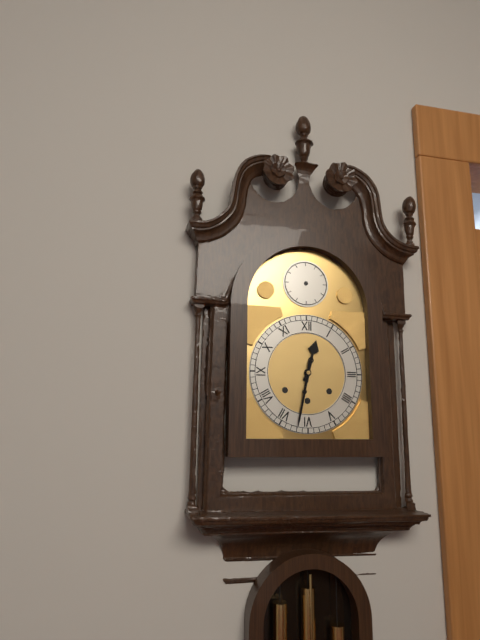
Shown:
12 h 32 min
